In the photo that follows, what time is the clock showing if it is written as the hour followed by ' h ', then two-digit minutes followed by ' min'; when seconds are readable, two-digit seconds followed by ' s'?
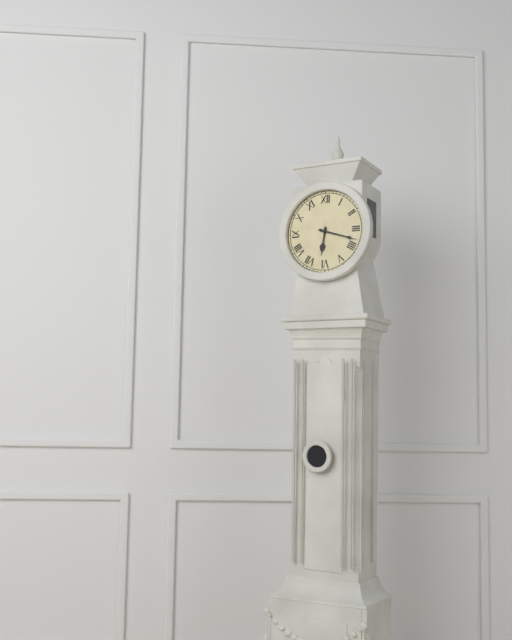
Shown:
6 h 18 min
